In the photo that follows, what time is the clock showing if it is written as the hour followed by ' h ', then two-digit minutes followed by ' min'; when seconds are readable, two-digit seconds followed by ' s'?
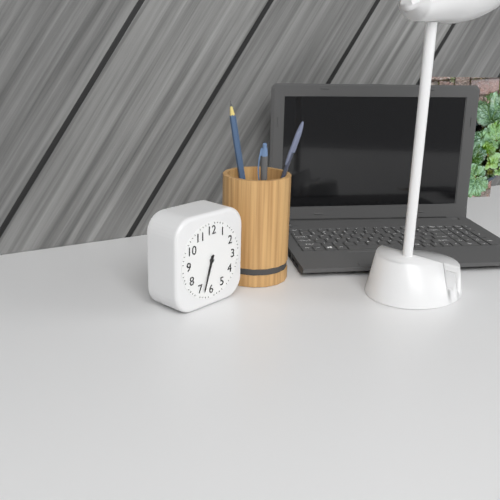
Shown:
6 h 33 min
